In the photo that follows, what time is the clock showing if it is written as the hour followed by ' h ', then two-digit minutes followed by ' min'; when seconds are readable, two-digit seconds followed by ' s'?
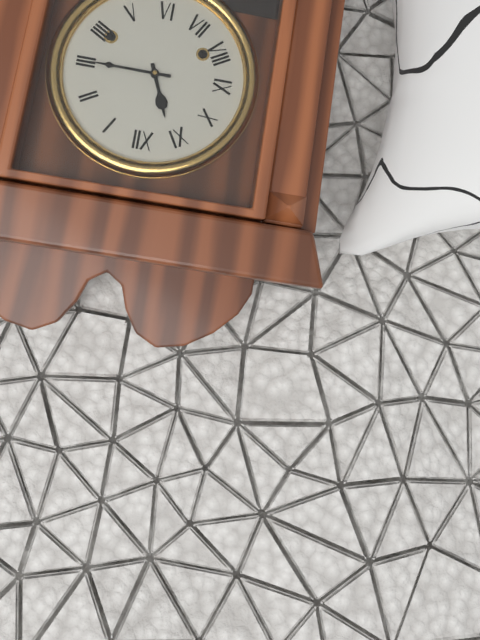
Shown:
11 h 15 min
